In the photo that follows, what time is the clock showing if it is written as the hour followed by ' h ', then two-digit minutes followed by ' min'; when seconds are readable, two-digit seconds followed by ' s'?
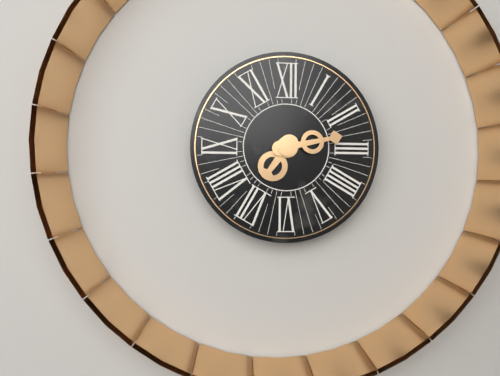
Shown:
7 h 13 min
